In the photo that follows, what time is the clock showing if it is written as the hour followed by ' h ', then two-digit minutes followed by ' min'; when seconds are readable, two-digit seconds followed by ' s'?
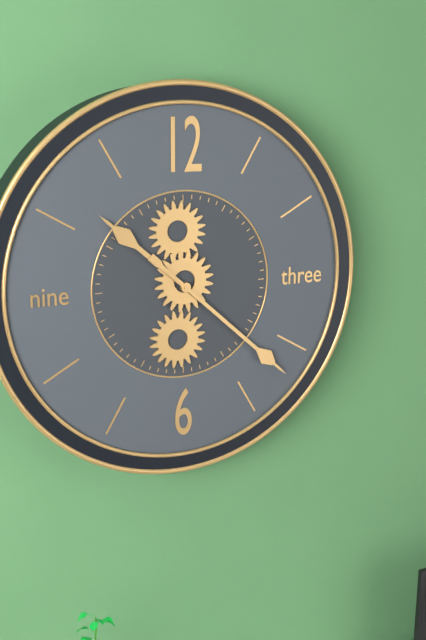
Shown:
10 h 22 min
